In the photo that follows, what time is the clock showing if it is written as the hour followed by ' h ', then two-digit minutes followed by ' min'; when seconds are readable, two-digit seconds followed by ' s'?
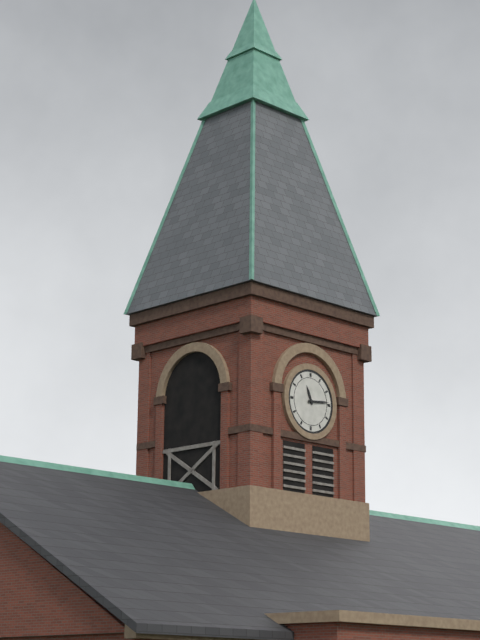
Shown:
11 h 14 min
